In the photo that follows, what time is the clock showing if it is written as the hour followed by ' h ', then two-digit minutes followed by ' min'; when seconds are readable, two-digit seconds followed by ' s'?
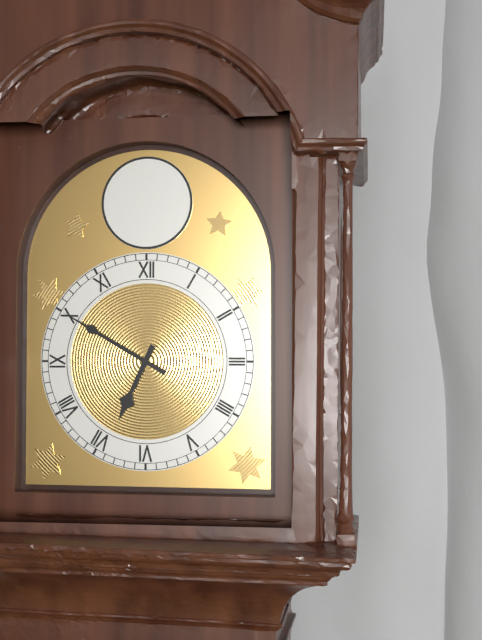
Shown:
6 h 50 min
